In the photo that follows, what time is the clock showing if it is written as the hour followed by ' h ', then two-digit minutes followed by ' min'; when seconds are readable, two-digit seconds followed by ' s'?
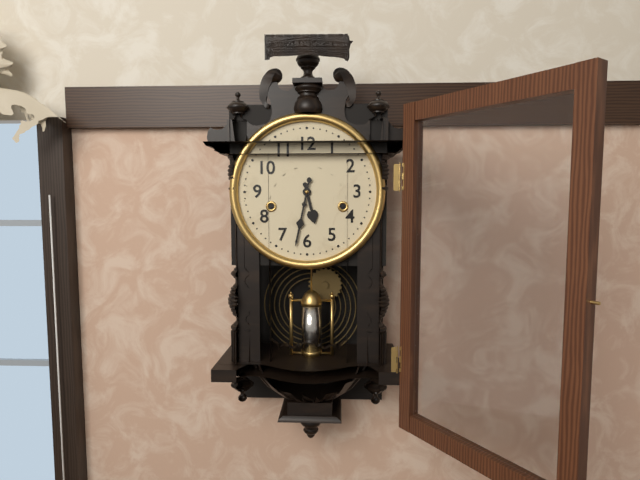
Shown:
5 h 32 min
